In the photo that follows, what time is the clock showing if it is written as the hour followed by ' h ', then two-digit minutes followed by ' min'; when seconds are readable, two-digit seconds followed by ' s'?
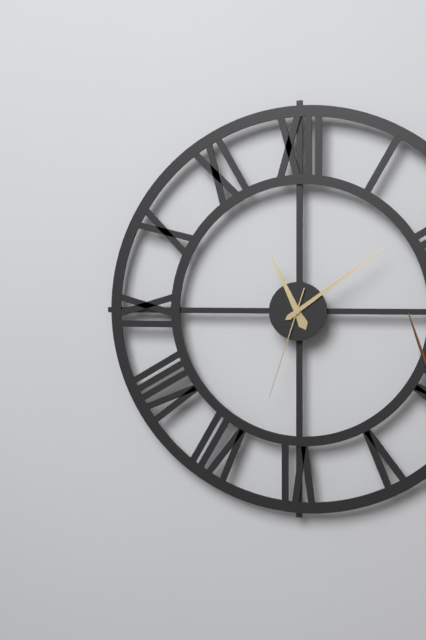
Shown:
11 h 09 min 33 s
